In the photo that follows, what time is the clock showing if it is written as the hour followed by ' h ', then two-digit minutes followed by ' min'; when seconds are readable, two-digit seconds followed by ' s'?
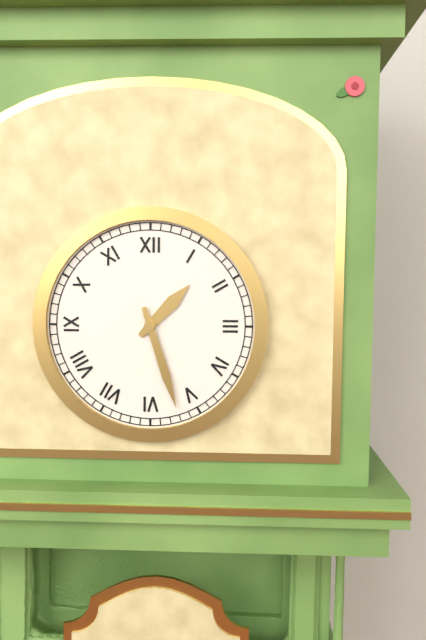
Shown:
1 h 27 min
